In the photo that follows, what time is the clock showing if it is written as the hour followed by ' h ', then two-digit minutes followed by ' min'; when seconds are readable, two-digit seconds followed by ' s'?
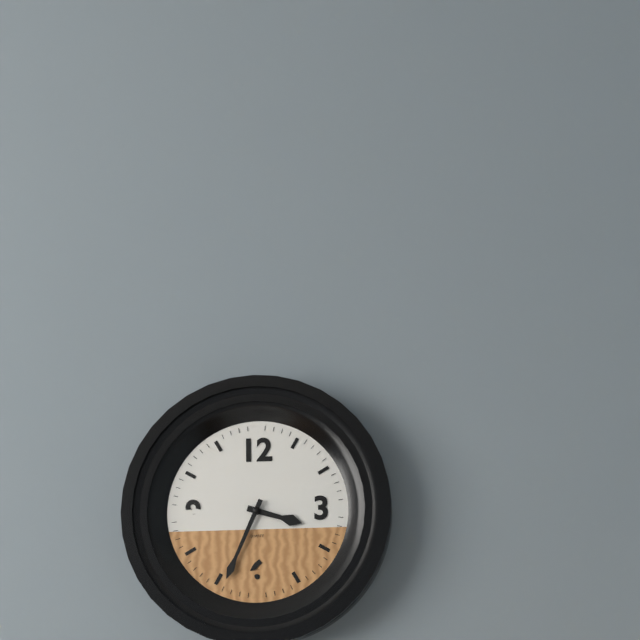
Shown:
3 h 34 min
